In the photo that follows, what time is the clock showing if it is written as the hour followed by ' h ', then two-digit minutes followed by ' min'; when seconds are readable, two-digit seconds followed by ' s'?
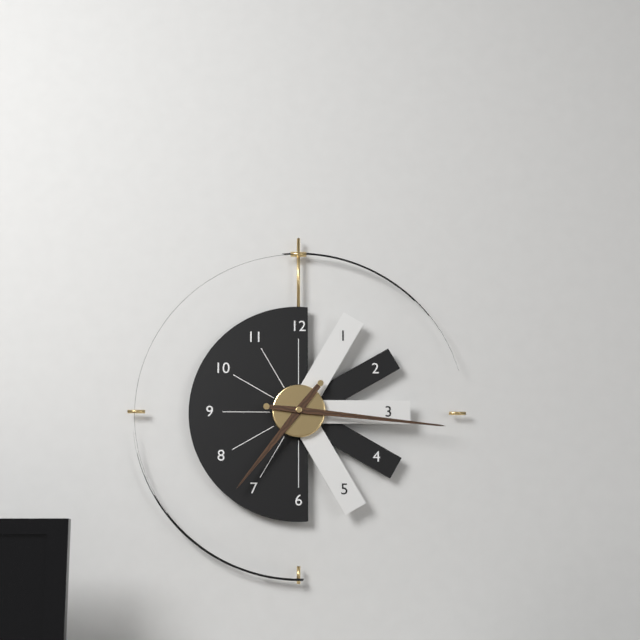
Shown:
7 h 16 min
